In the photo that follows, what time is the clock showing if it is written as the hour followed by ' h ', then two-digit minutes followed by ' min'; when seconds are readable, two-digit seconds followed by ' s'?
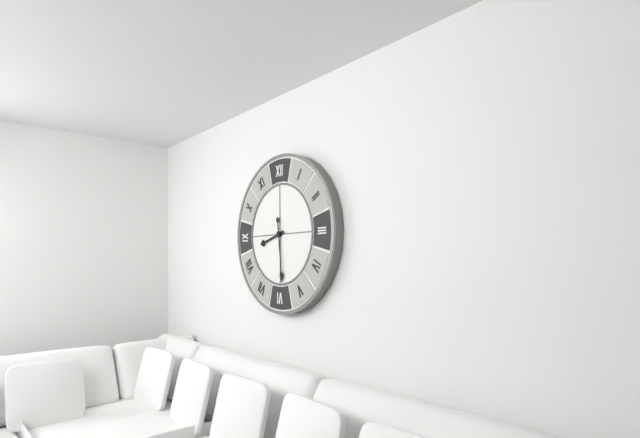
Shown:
8 h 29 min
